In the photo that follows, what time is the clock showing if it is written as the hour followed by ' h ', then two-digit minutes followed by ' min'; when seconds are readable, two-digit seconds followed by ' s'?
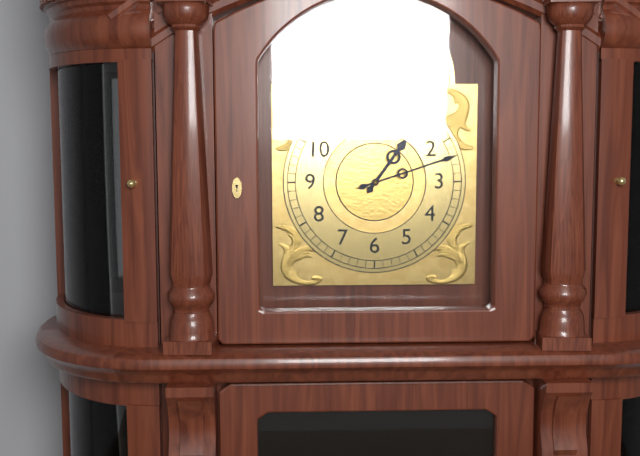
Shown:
1 h 12 min
